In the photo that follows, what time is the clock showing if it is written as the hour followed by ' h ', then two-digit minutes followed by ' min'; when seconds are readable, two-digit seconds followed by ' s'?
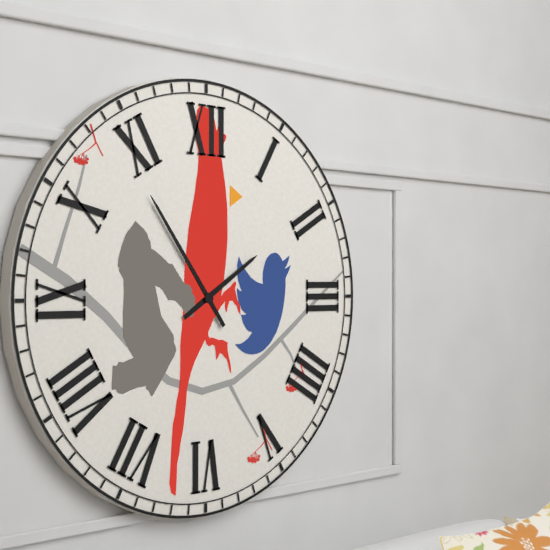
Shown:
1 h 54 min
